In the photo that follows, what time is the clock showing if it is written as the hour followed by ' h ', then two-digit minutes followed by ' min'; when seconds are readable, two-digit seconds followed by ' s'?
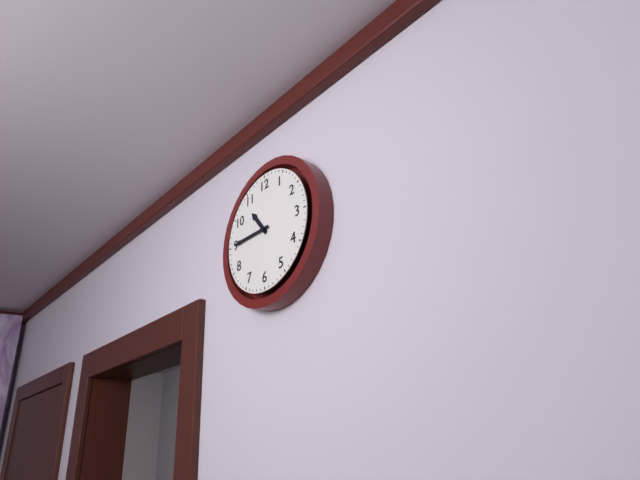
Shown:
10 h 45 min
